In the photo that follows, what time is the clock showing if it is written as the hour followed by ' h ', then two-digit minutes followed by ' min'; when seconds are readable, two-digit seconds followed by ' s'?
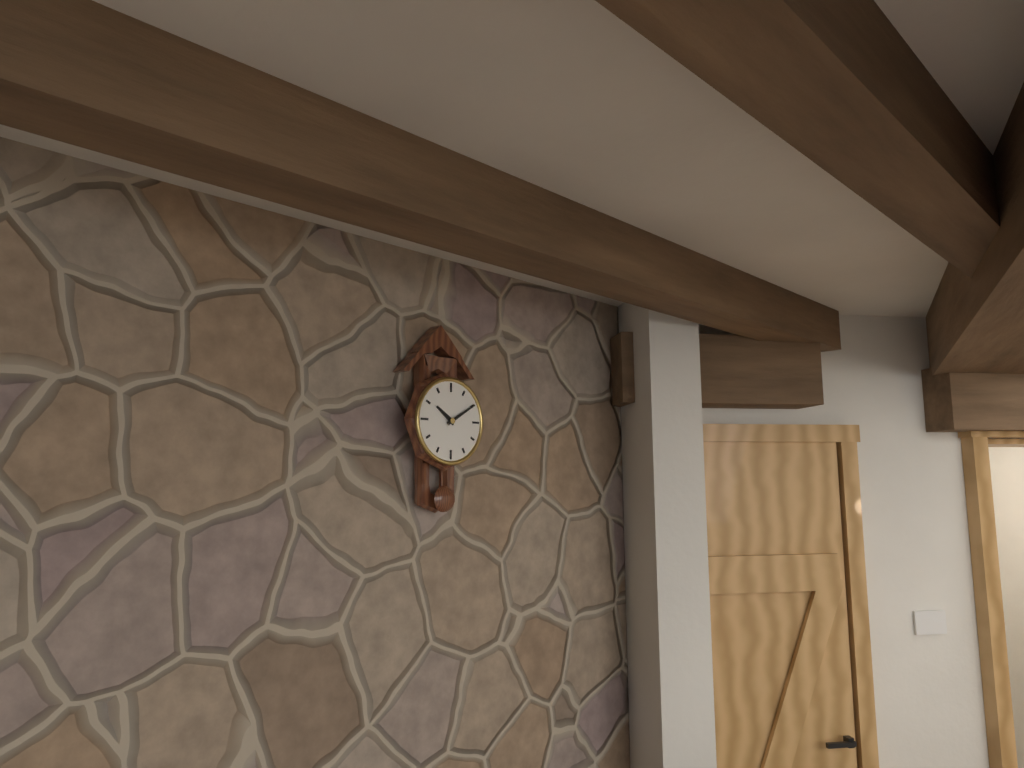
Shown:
10 h 10 min
